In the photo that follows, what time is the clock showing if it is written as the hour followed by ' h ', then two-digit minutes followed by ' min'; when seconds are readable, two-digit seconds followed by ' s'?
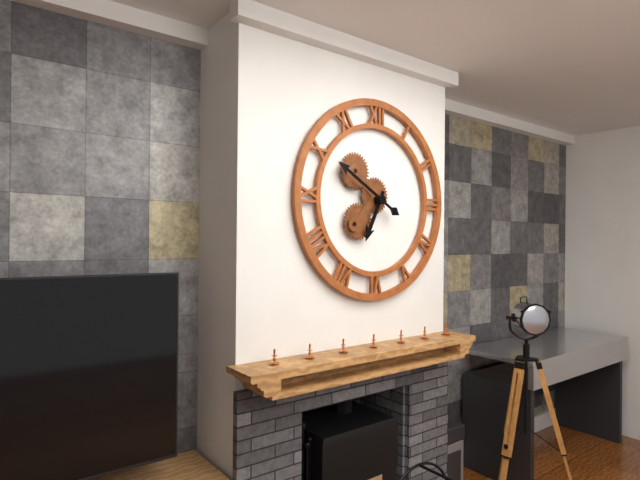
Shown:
6 h 50 min
